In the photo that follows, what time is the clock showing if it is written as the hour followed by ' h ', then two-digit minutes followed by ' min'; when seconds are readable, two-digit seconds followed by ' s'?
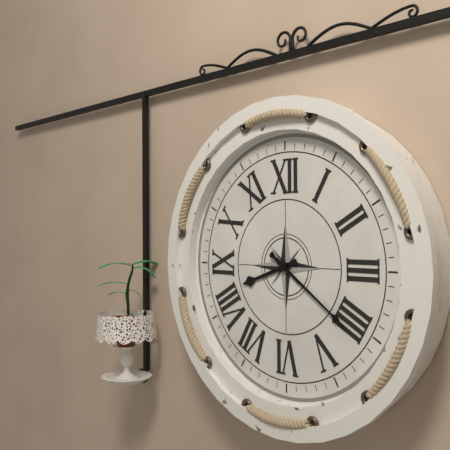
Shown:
8 h 21 min
